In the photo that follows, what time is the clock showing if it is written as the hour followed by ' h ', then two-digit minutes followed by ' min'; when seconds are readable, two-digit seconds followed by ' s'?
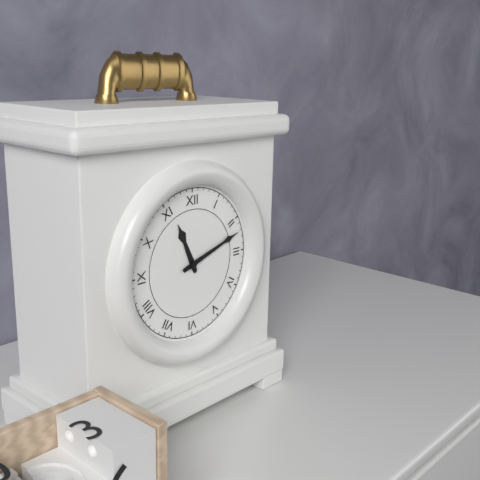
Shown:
11 h 12 min
